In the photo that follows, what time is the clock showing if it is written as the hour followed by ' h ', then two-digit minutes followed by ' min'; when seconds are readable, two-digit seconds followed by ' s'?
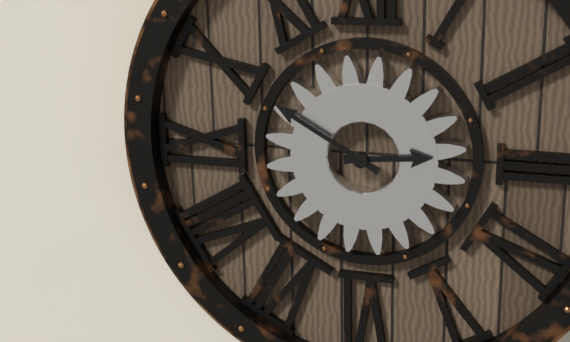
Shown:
2 h 50 min
